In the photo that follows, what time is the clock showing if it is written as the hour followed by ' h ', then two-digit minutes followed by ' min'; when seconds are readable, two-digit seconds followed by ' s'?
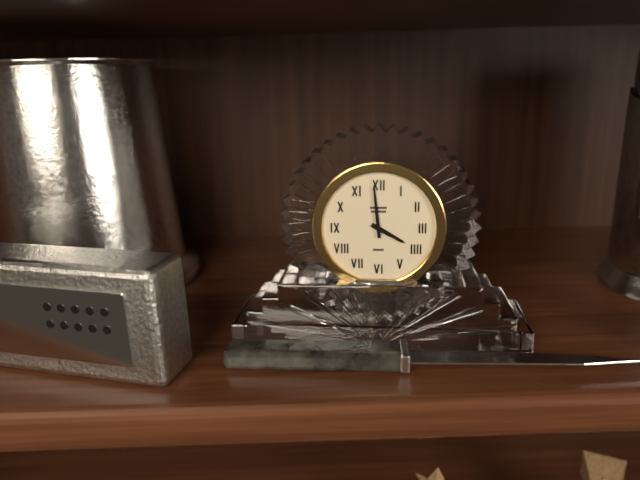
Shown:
3 h 59 min
